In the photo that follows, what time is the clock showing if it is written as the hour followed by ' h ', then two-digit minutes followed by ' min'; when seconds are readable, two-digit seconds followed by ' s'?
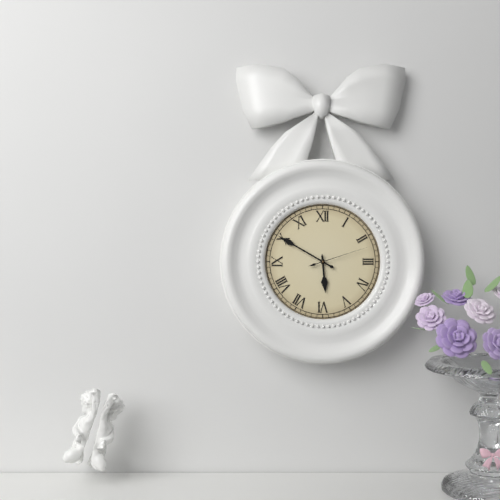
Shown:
5 h 50 min 12 s
